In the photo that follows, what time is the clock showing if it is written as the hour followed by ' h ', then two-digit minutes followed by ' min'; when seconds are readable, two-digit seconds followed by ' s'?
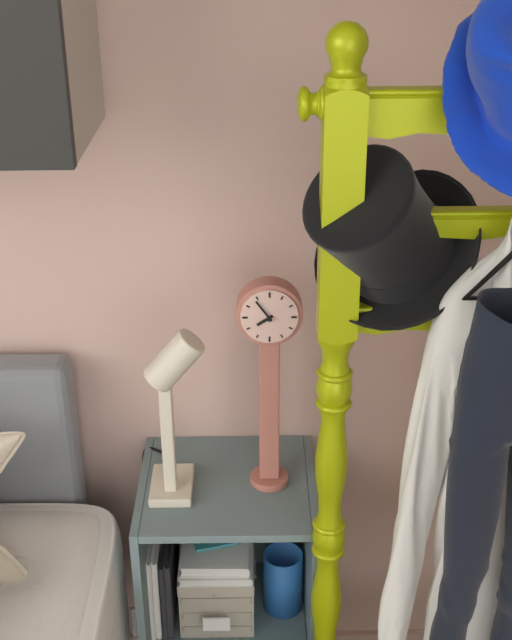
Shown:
7 h 54 min
